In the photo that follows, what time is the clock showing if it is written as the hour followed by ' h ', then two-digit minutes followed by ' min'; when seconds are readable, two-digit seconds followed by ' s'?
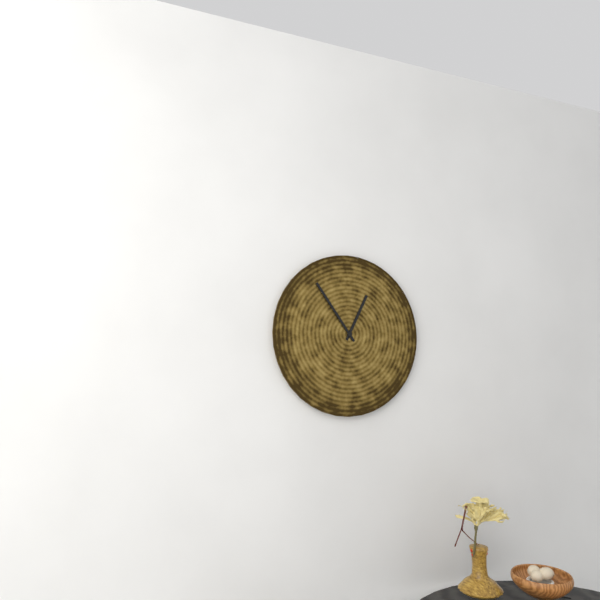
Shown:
12 h 54 min
